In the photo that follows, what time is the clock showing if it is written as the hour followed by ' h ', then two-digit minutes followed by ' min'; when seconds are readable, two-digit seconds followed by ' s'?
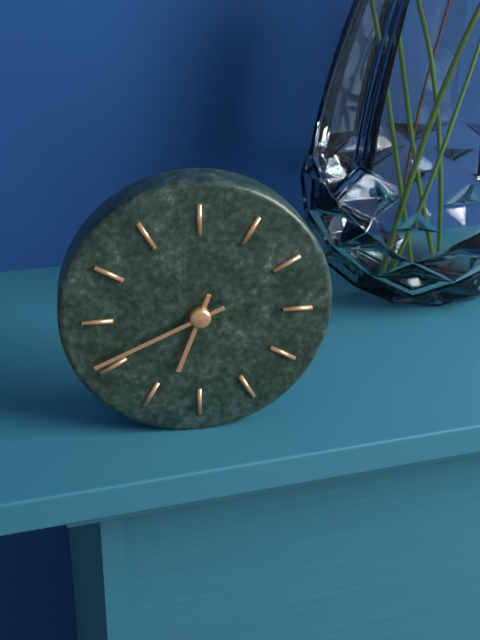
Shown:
6 h 41 min
